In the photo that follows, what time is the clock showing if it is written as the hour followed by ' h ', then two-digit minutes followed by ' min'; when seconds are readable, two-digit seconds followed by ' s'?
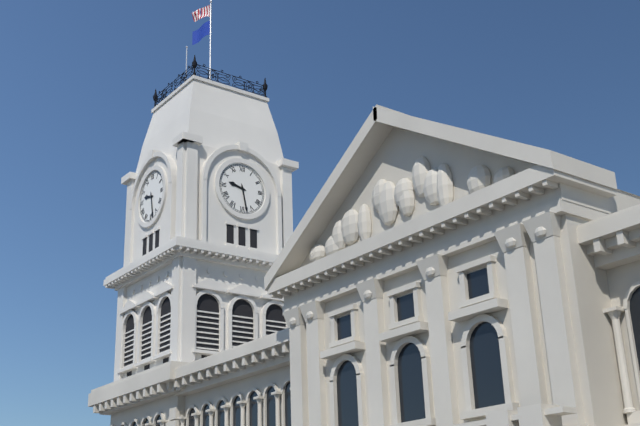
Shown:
9 h 28 min
